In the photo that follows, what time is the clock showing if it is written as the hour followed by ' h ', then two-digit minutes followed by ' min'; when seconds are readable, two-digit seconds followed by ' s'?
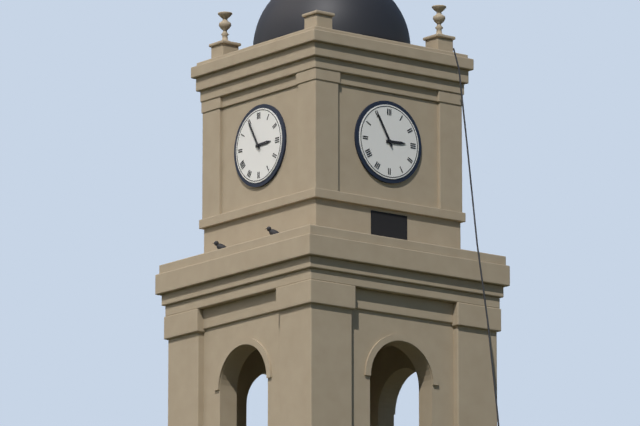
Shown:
2 h 55 min
